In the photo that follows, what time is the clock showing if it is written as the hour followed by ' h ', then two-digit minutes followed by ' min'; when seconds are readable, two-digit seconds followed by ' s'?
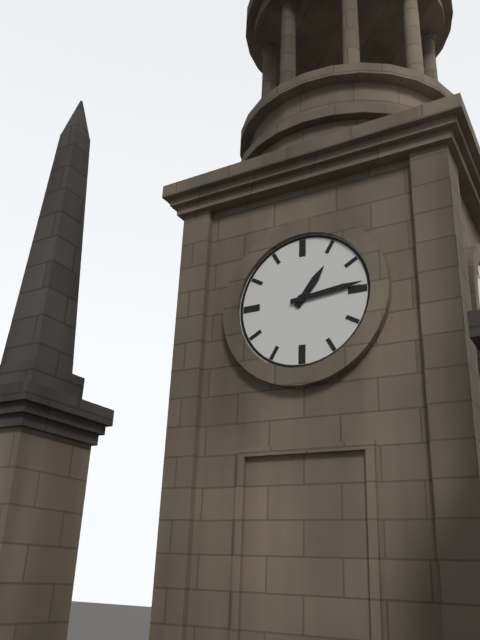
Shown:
1 h 14 min
